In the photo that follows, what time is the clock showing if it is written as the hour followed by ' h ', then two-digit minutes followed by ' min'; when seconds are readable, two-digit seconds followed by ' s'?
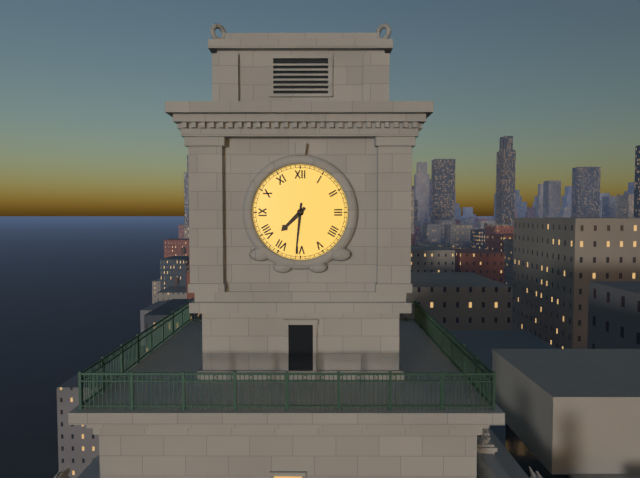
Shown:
7 h 31 min
